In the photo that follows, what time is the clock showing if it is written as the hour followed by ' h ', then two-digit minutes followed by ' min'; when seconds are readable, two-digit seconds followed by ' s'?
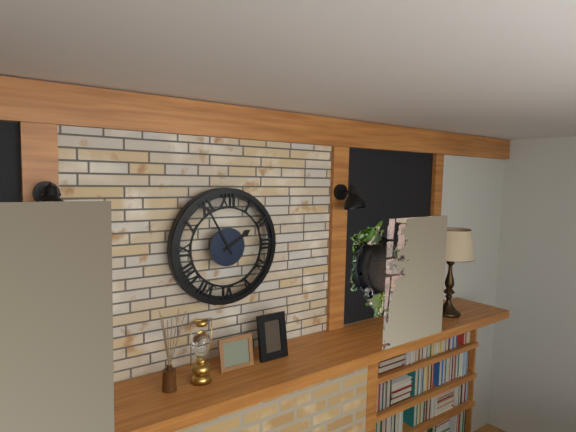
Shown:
1 h 55 min
